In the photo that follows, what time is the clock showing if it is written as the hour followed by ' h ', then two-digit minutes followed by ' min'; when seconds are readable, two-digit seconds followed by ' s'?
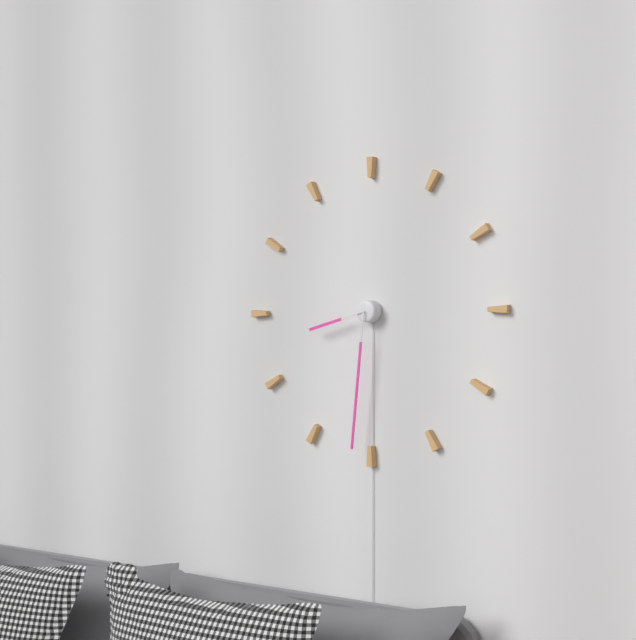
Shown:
8 h 31 min
